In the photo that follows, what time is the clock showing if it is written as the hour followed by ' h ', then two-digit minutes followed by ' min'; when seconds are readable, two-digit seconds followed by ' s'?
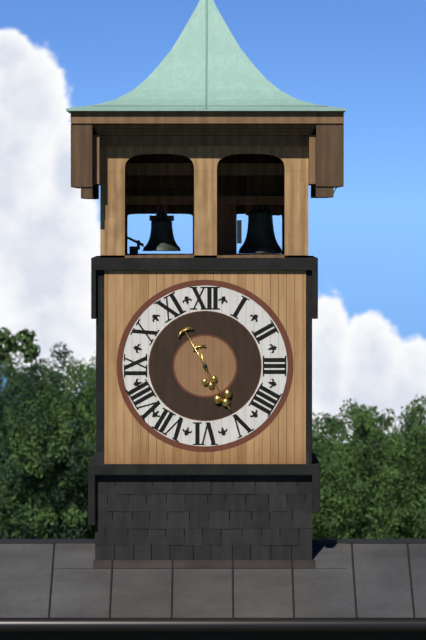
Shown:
5 h 25 min
